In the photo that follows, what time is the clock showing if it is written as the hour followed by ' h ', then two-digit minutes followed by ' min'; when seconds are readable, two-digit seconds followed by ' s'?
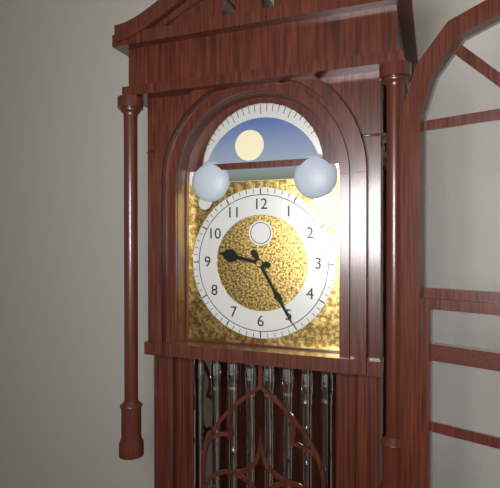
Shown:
9 h 25 min
